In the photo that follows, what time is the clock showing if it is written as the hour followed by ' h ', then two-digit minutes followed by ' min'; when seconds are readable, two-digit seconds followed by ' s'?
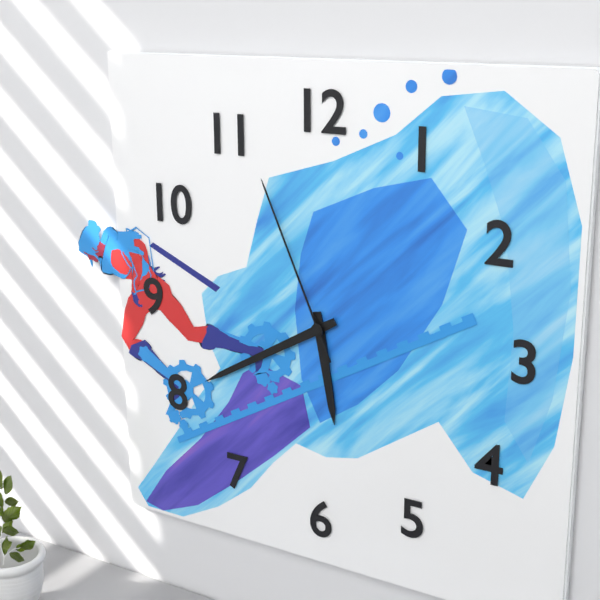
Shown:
5 h 40 min 56 s
